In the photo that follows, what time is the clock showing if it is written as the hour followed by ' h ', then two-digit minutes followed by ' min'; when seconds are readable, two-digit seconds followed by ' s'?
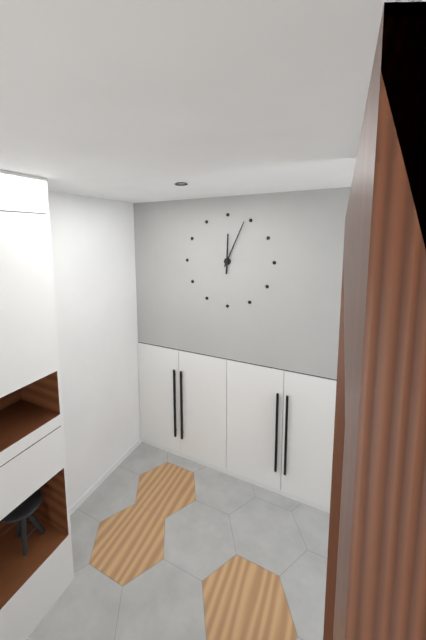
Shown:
12 h 04 min
